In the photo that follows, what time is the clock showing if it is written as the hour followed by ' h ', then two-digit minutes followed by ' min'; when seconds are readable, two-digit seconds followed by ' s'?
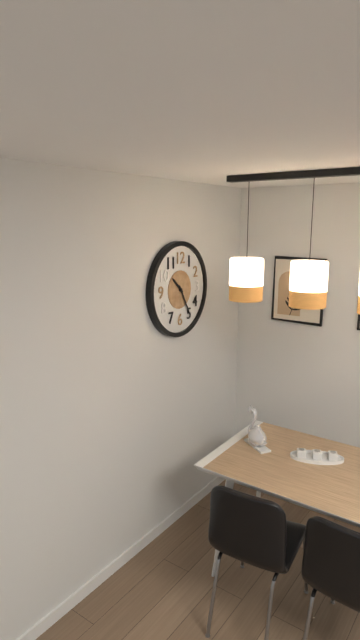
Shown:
10 h 25 min
